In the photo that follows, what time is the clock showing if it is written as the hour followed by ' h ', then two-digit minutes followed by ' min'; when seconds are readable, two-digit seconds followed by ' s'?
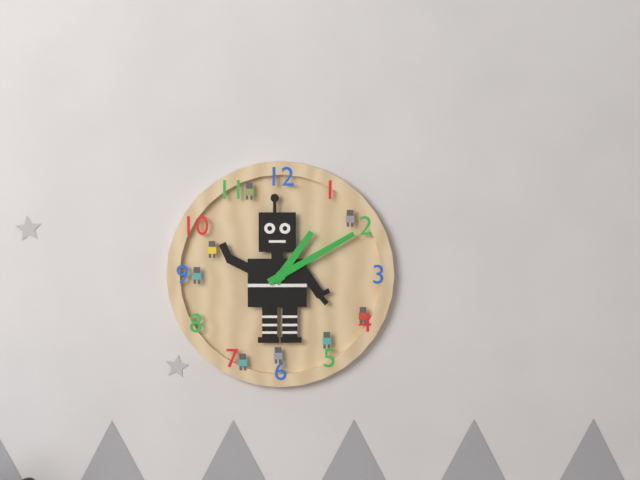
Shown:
1 h 10 min
